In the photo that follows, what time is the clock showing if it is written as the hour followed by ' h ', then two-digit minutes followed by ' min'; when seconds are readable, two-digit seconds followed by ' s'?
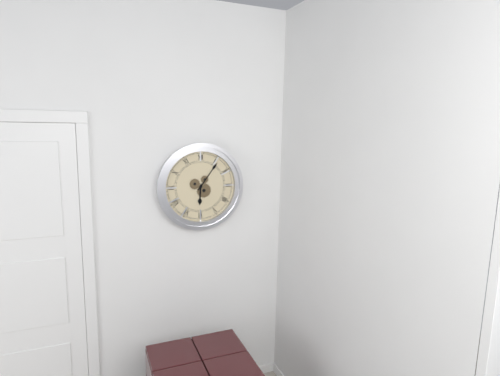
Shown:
6 h 06 min
